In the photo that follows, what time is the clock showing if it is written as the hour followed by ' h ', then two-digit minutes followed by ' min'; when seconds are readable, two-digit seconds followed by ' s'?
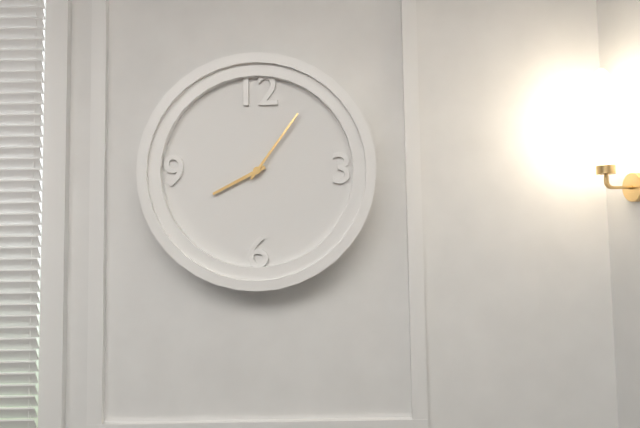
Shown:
8 h 06 min
